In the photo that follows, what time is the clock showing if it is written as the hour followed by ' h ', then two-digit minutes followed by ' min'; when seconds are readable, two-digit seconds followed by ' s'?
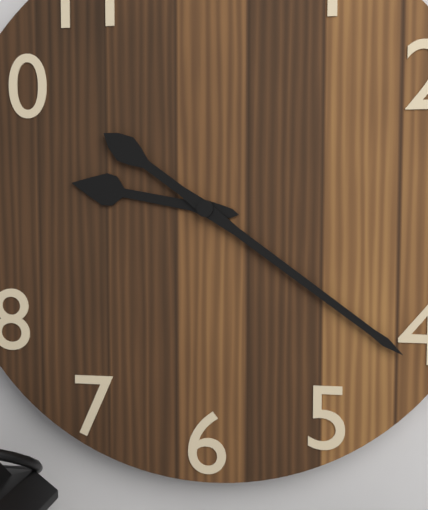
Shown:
9 h 21 min
